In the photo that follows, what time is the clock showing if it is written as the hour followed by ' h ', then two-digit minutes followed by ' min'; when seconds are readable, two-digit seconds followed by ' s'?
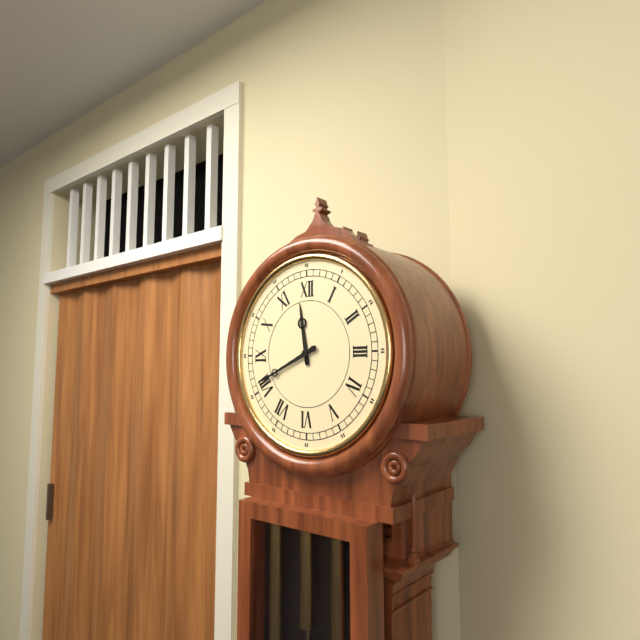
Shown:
11 h 41 min
